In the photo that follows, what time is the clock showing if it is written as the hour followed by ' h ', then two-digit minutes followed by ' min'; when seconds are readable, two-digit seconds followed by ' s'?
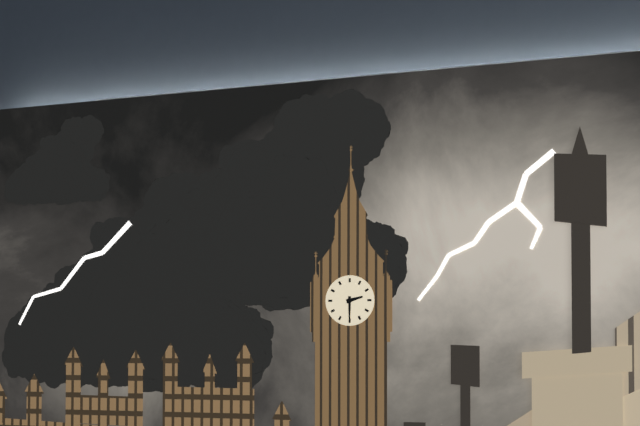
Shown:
2 h 30 min
